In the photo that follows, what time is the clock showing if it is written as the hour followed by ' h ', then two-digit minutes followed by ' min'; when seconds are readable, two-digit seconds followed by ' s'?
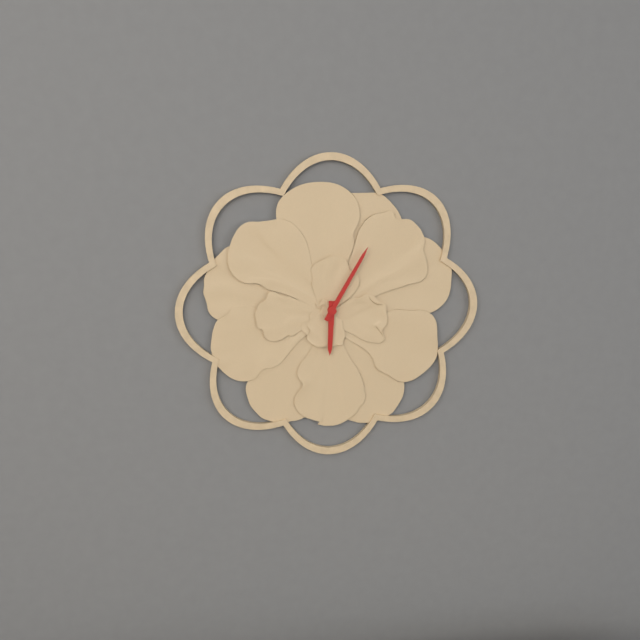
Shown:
6 h 05 min
